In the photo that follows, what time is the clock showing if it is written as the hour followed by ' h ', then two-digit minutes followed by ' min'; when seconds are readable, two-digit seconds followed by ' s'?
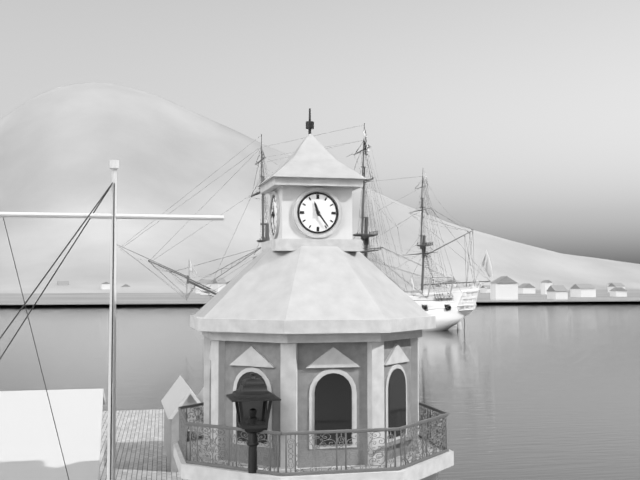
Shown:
11 h 24 min
